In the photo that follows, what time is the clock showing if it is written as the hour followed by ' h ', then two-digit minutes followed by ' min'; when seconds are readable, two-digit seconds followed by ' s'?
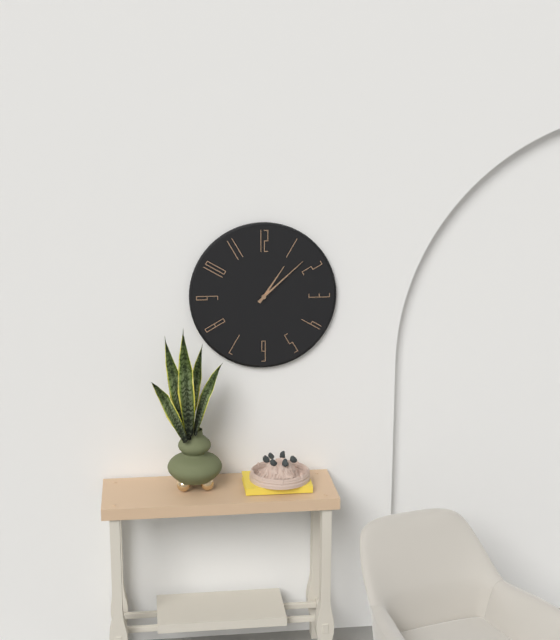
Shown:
1 h 08 min
